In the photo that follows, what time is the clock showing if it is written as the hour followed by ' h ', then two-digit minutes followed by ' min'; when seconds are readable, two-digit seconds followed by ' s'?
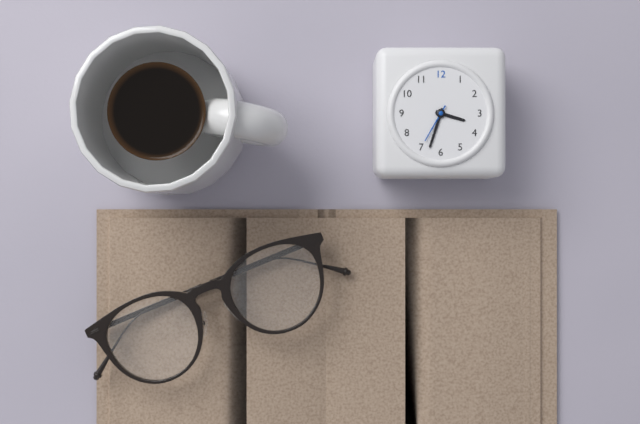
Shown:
3 h 33 min
